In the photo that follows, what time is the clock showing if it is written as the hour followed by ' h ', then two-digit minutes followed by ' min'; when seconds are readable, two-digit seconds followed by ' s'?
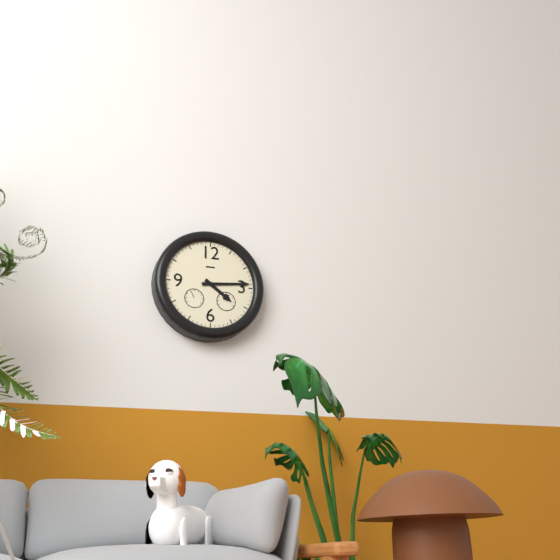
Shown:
4 h 14 min
